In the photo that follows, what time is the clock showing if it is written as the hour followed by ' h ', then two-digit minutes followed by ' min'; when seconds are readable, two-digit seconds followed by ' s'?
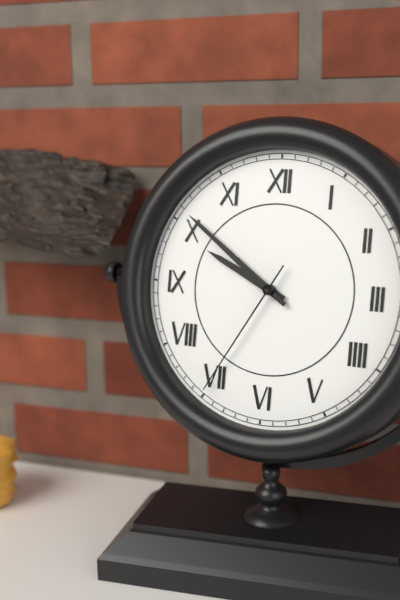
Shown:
9 h 51 min 35 s
